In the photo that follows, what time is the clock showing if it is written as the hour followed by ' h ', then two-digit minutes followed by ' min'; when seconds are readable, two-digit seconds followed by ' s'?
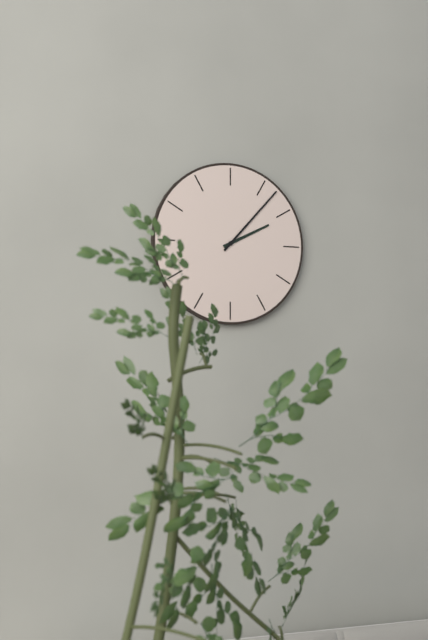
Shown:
2 h 07 min
